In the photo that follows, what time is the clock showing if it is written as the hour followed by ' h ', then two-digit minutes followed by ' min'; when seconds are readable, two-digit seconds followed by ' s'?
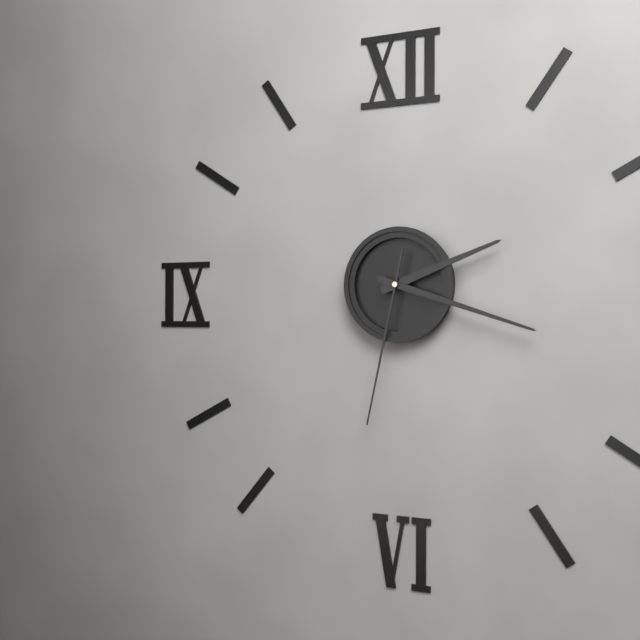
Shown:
2 h 18 min 32 s
